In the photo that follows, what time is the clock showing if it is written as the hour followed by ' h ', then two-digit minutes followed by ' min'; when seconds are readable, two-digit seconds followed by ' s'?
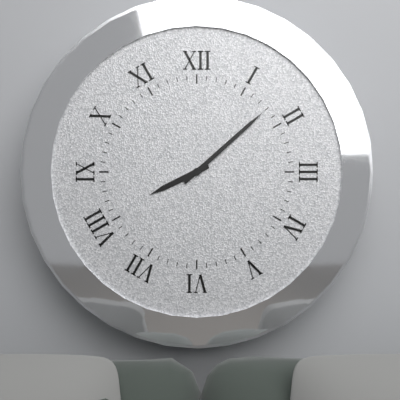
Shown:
8 h 08 min
